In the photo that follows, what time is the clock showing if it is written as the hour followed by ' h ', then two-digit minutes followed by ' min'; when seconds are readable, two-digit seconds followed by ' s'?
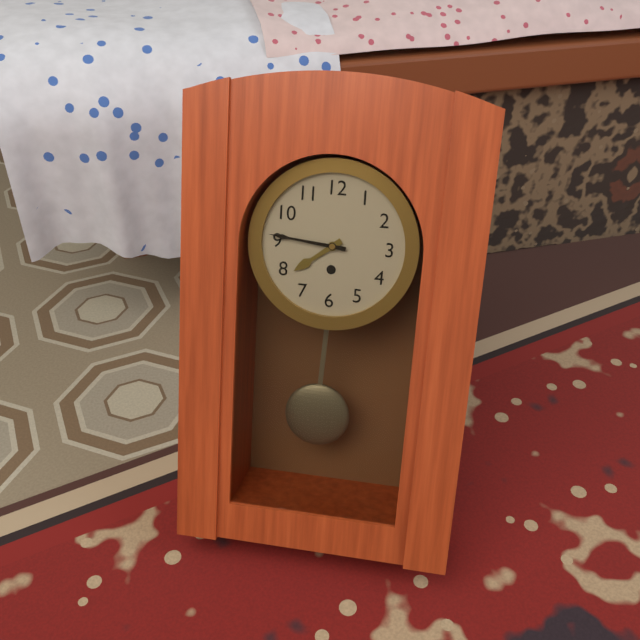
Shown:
7 h 46 min
